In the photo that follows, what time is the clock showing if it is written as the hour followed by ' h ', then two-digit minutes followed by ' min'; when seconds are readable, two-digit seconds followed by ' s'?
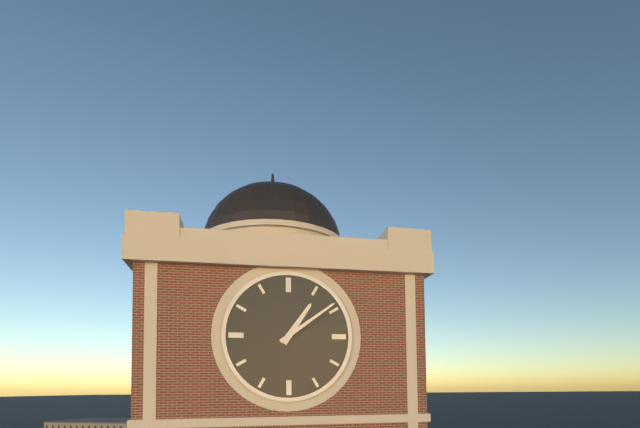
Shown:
1 h 09 min
